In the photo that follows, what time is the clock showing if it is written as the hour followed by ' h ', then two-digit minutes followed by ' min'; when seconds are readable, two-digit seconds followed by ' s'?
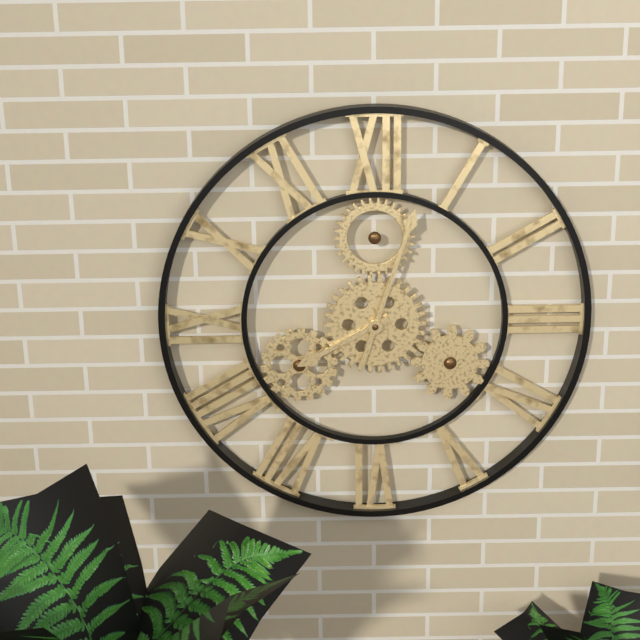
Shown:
8 h 03 min
